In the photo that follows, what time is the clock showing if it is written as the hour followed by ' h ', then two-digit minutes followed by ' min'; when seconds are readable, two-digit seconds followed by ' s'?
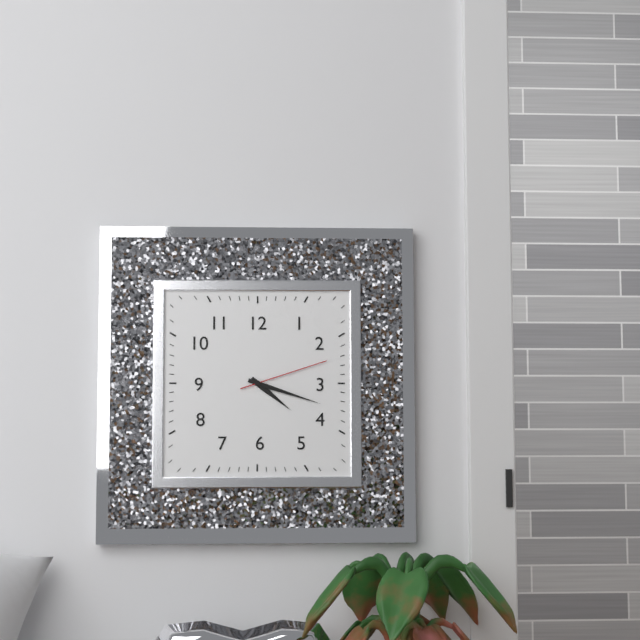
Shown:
4 h 18 min 12 s
